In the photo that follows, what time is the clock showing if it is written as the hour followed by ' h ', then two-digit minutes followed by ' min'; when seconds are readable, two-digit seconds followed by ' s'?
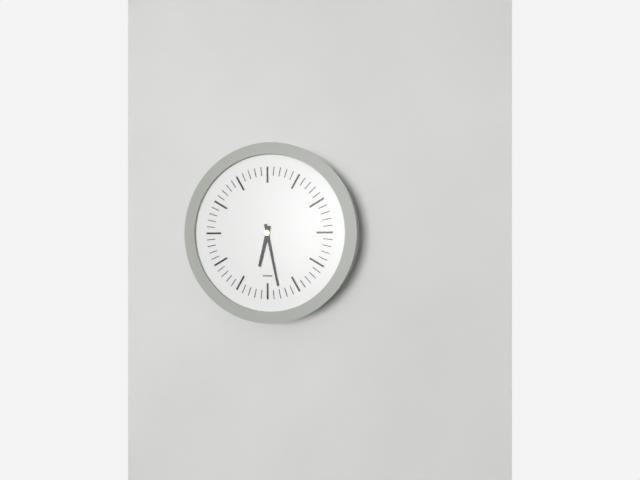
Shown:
6 h 28 min
